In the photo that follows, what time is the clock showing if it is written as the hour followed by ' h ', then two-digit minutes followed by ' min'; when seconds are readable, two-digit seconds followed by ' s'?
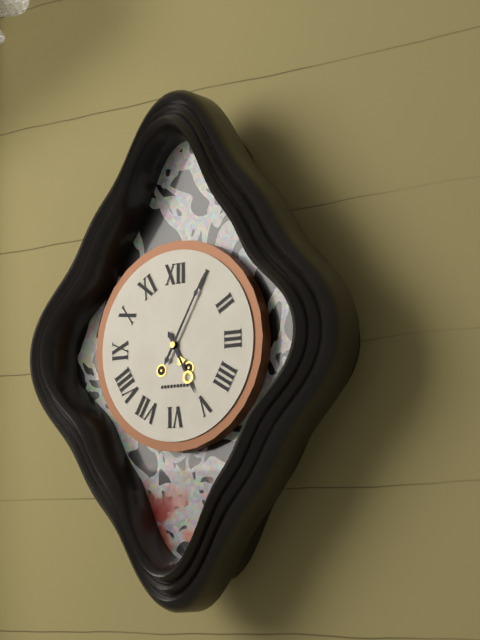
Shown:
5 h 05 min
